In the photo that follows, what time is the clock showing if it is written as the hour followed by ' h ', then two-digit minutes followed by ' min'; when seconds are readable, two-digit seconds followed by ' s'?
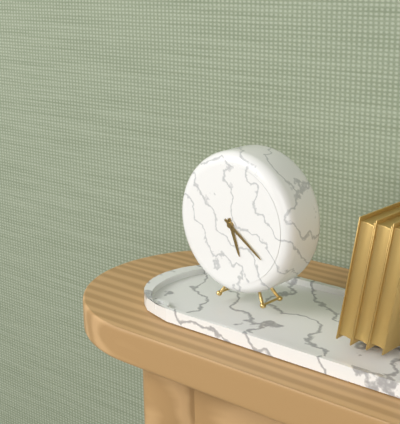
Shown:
5 h 21 min
